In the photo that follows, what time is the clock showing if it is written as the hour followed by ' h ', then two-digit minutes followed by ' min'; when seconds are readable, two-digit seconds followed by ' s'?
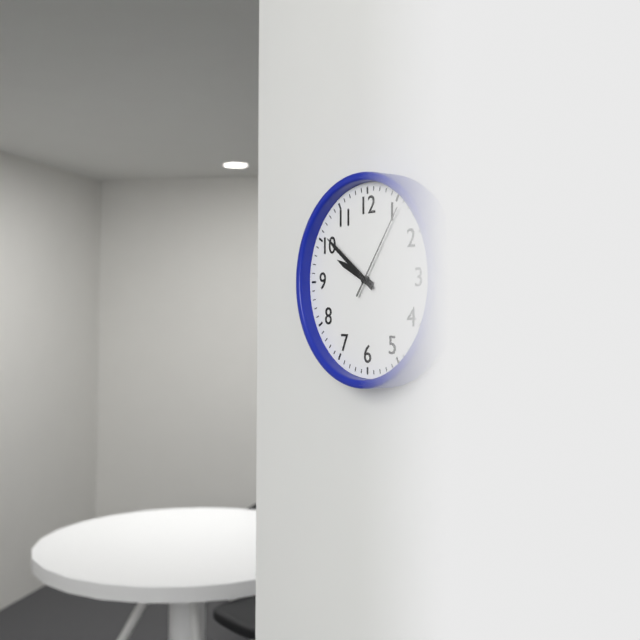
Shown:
9 h 51 min 06 s
